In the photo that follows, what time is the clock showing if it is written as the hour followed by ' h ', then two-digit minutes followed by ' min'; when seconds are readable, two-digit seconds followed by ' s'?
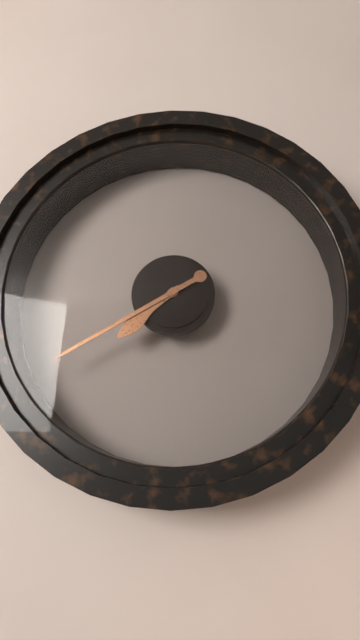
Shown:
7 h 40 min
